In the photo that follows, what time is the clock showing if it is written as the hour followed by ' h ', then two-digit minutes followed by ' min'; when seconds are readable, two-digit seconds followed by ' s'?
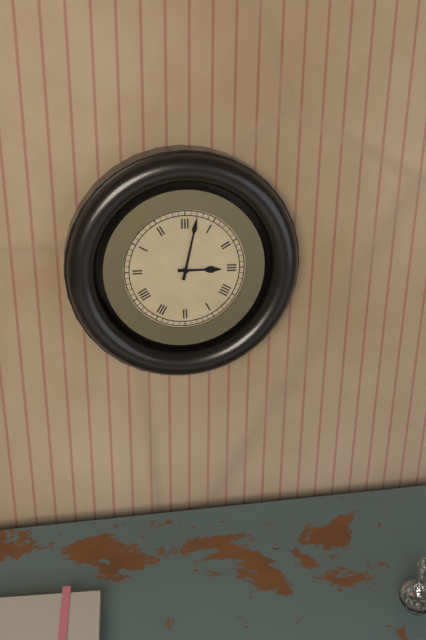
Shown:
3 h 02 min
